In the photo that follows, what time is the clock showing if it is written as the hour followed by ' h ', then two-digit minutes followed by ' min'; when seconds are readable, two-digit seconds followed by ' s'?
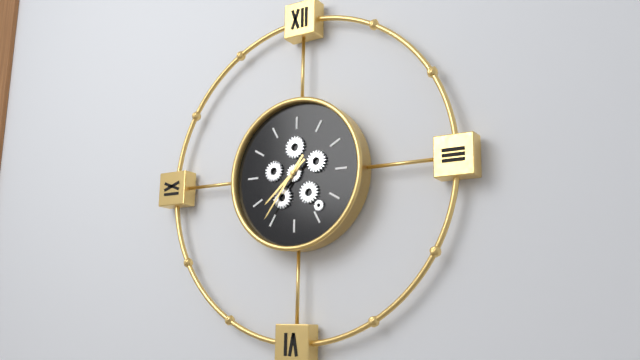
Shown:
7 h 36 min
